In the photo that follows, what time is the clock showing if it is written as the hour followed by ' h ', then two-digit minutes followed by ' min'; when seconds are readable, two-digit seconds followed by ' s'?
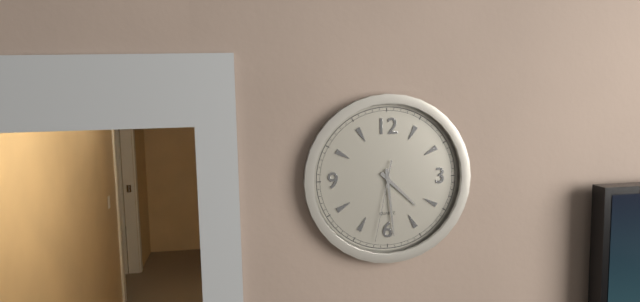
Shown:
4 h 29 min 32 s
